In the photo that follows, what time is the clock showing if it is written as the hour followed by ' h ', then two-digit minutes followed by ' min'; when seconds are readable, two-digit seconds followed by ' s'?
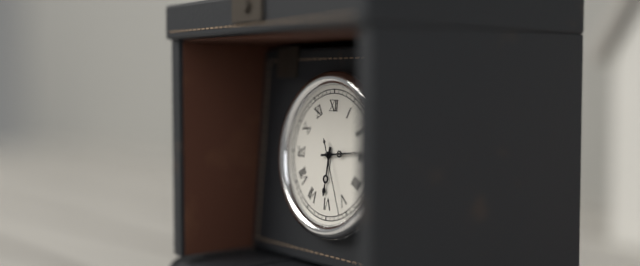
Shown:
6 h 14 min 26 s
